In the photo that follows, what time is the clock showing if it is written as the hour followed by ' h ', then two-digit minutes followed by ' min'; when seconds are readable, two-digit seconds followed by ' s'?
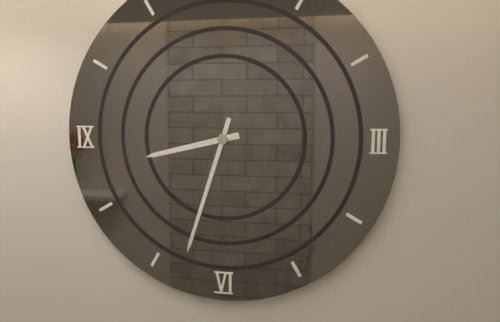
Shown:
8 h 33 min
